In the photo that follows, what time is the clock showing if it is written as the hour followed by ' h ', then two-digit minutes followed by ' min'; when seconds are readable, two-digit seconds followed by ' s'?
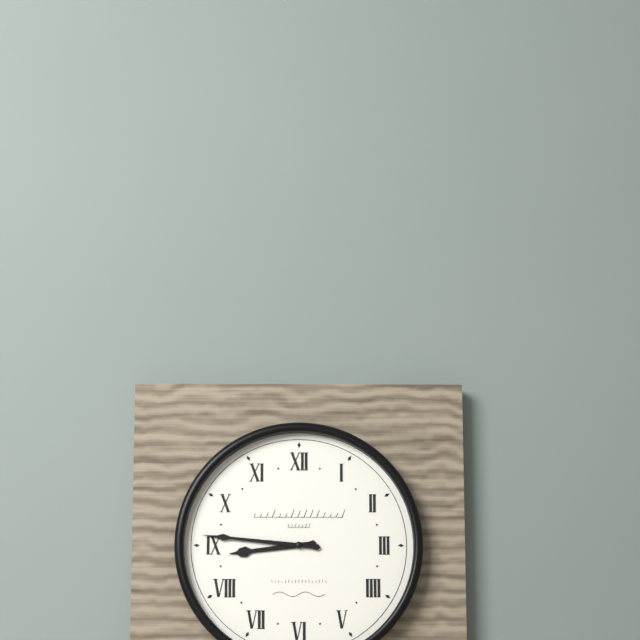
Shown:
8 h 46 min
